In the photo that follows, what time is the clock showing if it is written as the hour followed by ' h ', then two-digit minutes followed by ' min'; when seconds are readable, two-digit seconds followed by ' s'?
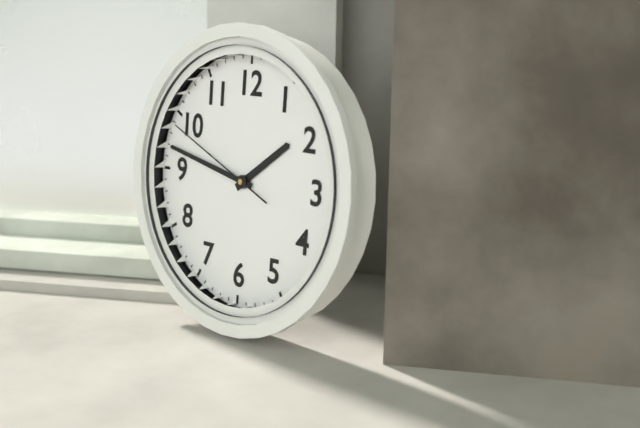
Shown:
1 h 47 min 49 s
